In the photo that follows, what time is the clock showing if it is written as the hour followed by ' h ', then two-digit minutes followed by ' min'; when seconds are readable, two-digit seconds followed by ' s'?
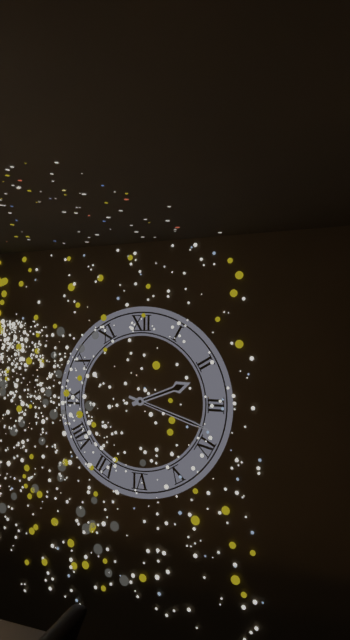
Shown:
2 h 18 min
